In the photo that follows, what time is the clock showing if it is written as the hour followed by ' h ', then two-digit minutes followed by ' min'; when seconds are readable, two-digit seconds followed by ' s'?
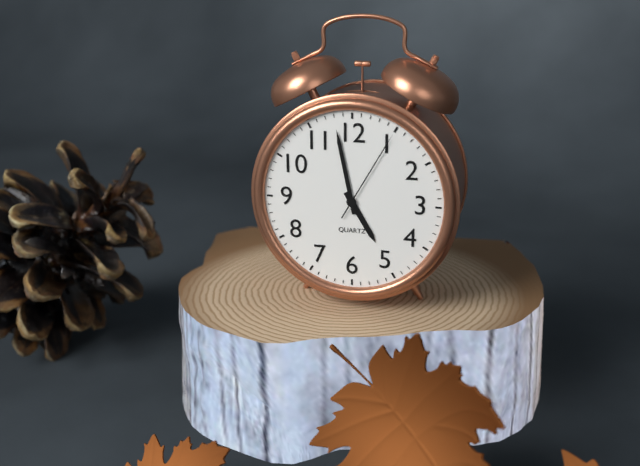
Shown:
4 h 58 min 05 s
